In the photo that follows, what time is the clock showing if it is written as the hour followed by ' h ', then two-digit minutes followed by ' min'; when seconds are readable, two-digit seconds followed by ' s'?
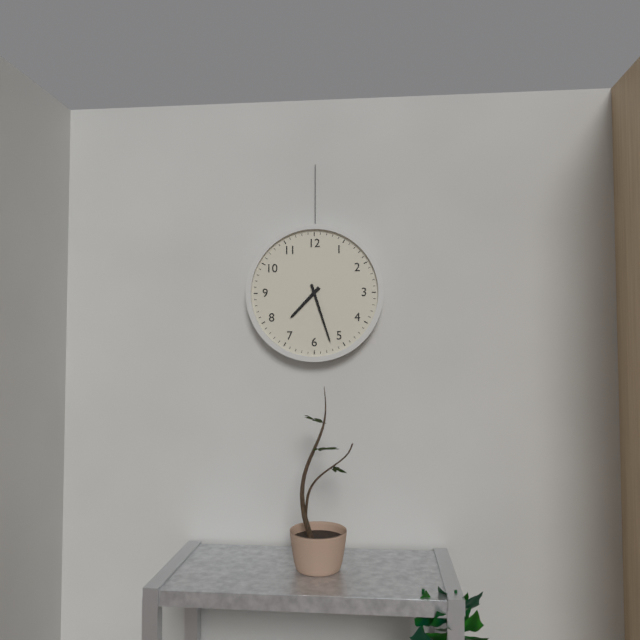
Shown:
7 h 27 min
